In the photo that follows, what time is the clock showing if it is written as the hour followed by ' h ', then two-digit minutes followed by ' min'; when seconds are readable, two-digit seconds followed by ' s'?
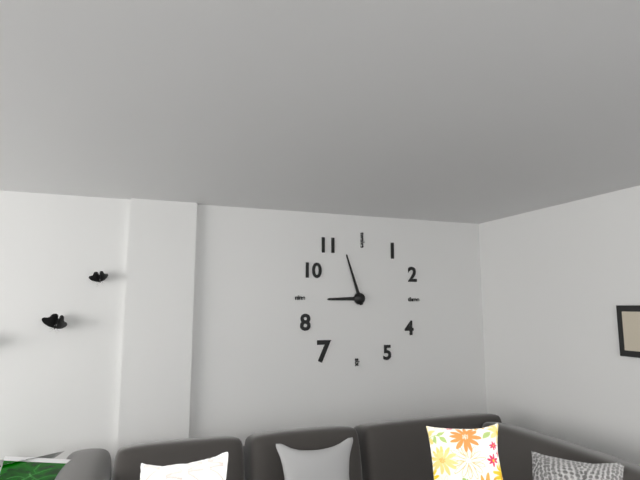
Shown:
8 h 57 min
